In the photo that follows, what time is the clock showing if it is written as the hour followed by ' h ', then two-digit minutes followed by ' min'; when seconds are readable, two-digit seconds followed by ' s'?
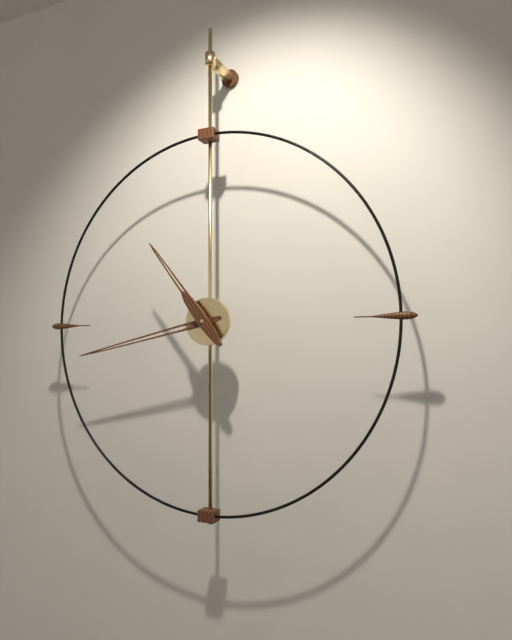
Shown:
10 h 43 min
